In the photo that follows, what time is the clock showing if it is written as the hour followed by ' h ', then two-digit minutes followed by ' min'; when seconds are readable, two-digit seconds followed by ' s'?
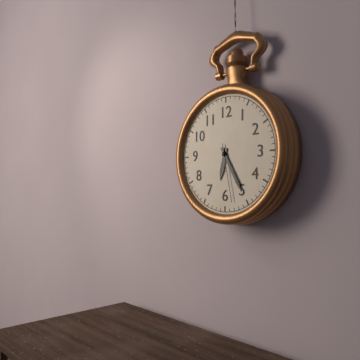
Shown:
6 h 25 min 28 s
